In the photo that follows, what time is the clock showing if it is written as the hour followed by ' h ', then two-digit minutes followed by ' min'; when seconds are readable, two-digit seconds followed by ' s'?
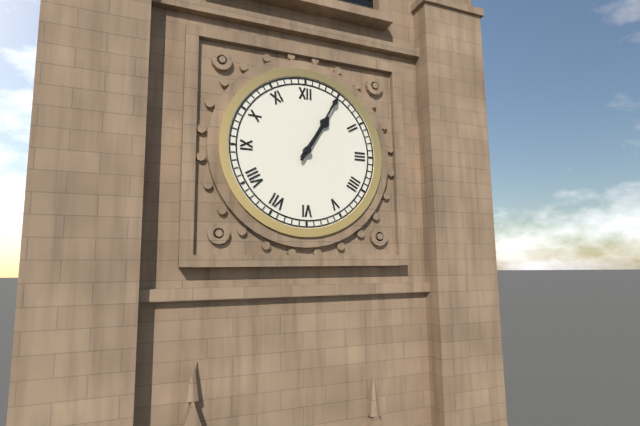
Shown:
1 h 05 min
